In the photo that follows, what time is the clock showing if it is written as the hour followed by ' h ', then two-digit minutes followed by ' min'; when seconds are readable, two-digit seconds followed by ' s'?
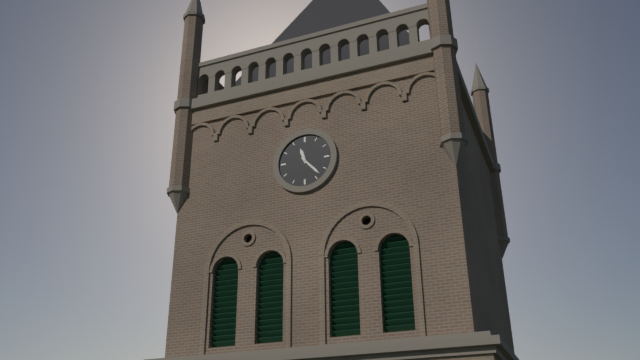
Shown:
11 h 23 min
